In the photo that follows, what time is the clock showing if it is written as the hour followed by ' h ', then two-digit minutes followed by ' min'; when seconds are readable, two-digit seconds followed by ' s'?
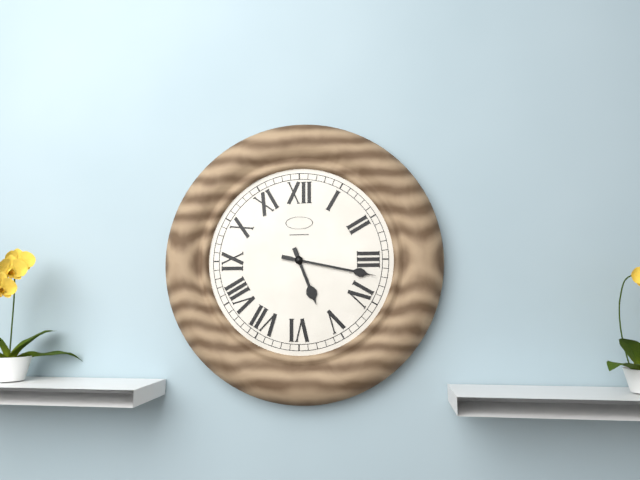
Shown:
5 h 17 min
